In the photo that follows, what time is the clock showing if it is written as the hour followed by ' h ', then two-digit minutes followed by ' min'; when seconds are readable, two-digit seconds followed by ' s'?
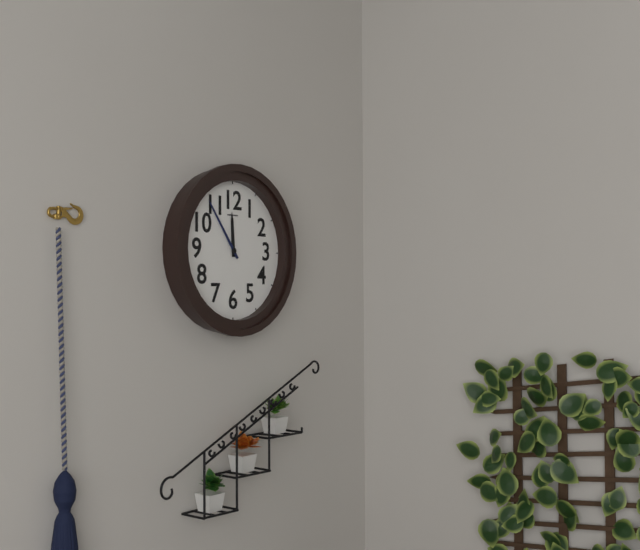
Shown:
11 h 54 min
